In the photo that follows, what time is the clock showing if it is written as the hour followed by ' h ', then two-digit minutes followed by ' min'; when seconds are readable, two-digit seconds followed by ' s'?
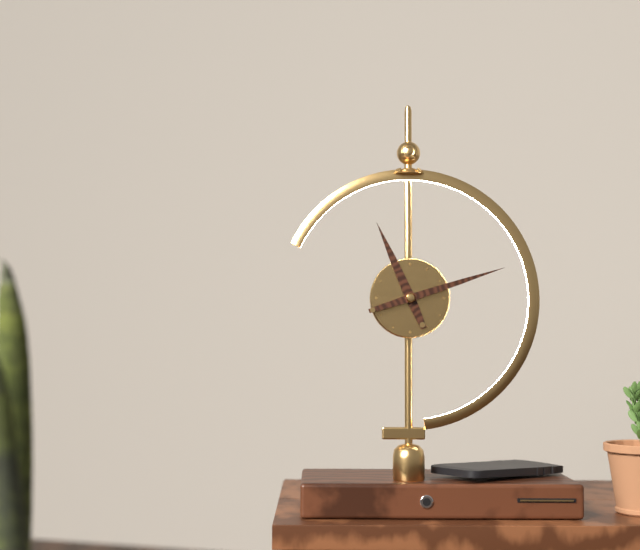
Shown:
11 h 12 min
